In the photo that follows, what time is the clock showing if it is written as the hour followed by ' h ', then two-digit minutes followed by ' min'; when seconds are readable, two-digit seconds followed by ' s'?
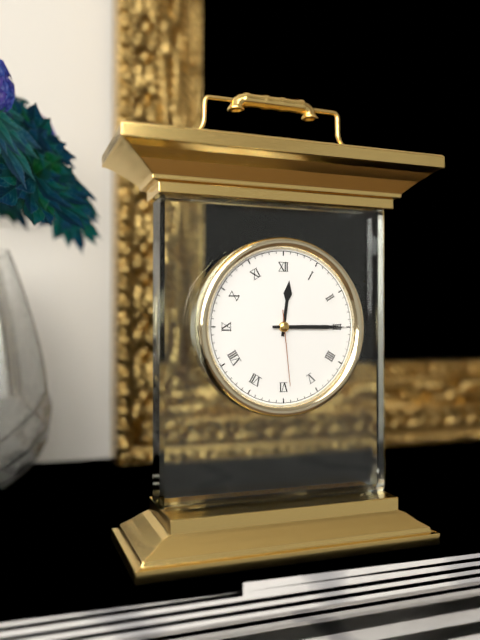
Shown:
12 h 15 min 29 s
